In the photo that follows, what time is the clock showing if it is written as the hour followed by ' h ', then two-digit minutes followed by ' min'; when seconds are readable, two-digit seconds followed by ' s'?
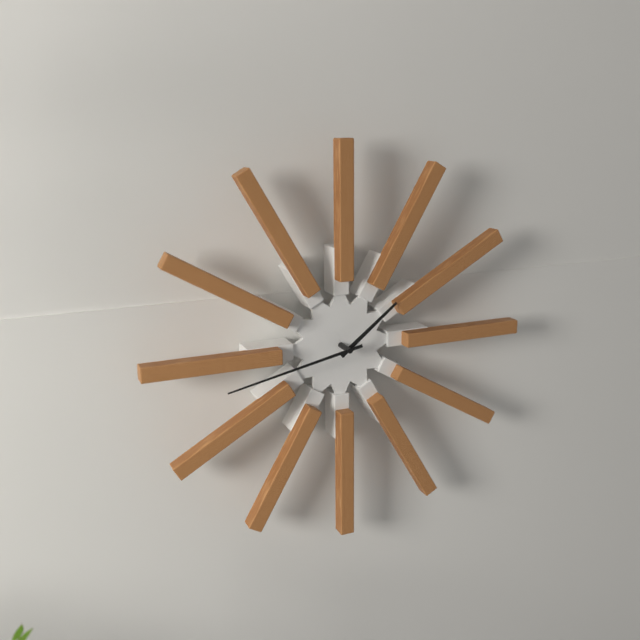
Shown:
1 h 43 min
